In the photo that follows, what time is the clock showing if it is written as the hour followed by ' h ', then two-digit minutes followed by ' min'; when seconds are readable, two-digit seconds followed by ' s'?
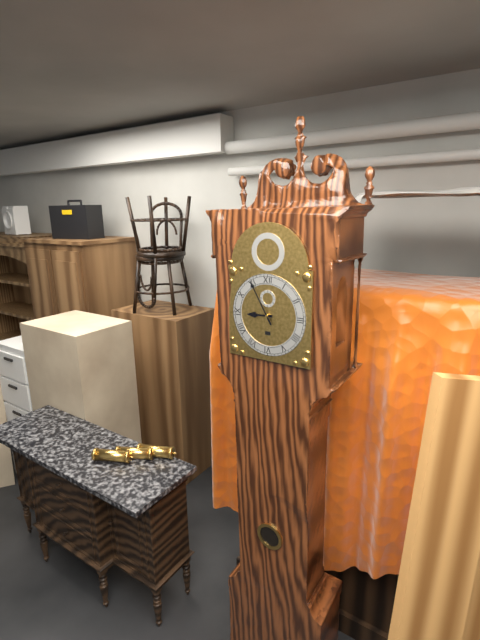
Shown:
8 h 55 min
